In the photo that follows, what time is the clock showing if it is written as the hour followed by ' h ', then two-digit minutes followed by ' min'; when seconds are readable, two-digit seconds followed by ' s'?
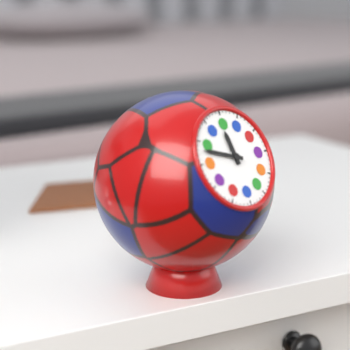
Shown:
11 h 48 min
